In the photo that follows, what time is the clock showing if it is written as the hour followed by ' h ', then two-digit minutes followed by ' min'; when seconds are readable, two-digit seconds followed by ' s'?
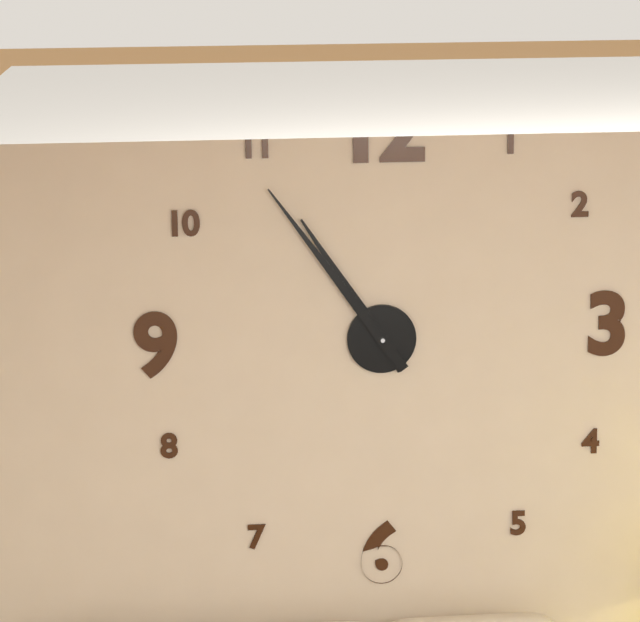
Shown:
10 h 54 min
